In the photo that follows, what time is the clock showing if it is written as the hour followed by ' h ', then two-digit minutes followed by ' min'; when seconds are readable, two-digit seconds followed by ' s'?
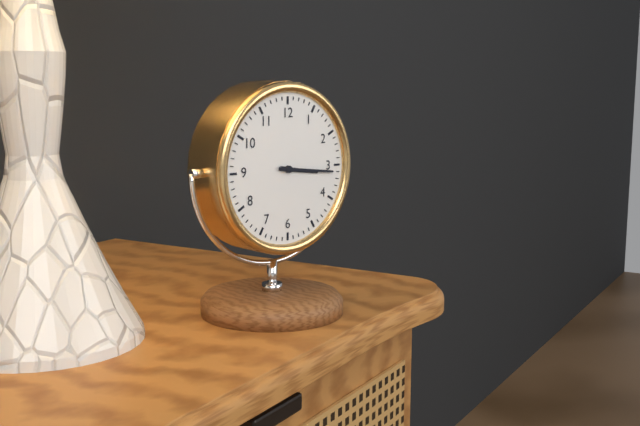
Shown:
3 h 16 min
